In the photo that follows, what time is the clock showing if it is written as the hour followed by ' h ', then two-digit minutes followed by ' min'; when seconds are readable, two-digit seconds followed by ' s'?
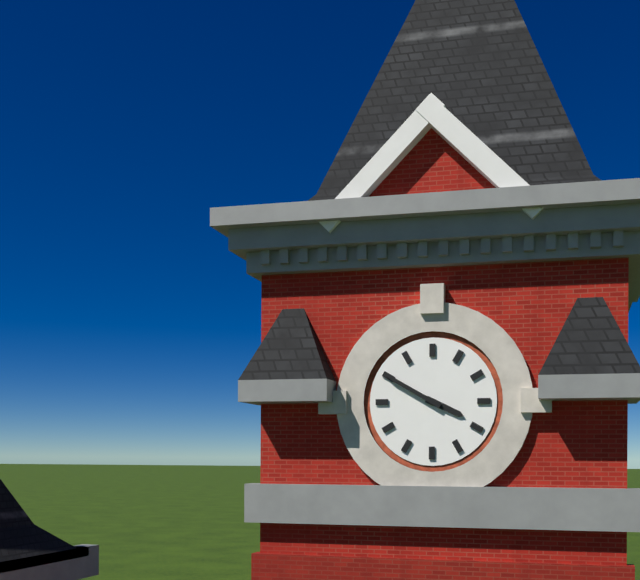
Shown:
3 h 50 min
